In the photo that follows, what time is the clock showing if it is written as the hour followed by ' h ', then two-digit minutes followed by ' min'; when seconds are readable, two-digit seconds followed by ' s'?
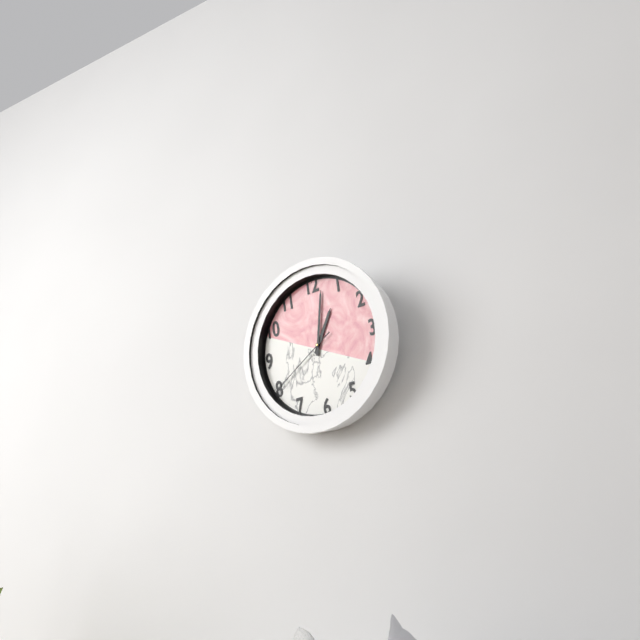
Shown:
1 h 02 min 40 s
